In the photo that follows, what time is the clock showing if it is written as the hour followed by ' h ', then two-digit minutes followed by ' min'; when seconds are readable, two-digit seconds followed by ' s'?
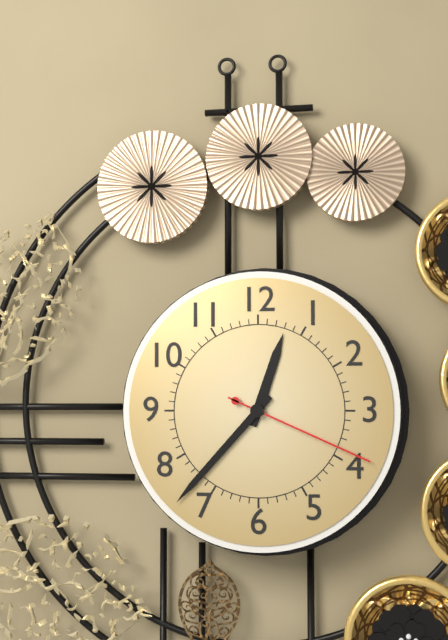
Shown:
12 h 37 min 19 s
